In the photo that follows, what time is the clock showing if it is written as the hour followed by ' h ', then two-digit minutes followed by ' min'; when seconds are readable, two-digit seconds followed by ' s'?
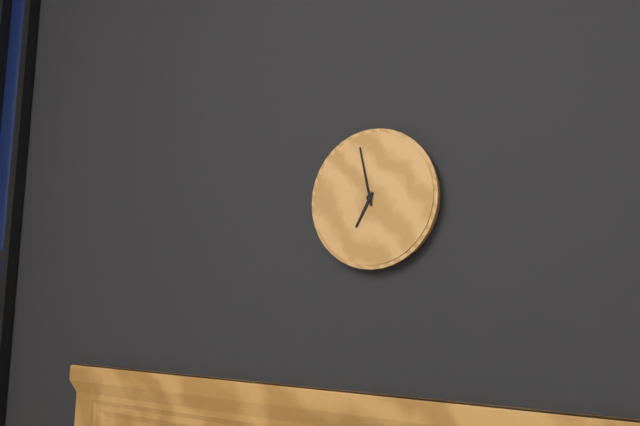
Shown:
6 h 58 min
